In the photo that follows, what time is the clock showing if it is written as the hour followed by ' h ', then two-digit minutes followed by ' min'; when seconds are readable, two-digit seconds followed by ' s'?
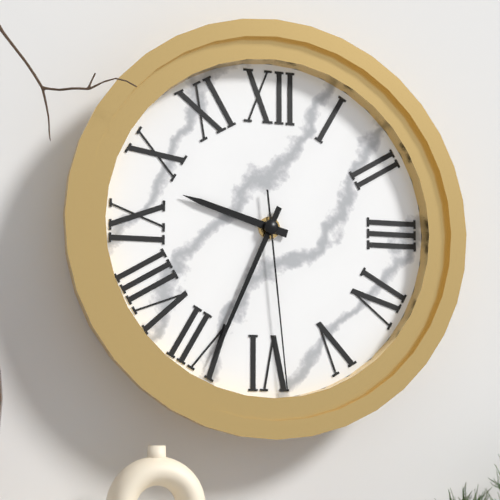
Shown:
9 h 34 min 29 s
